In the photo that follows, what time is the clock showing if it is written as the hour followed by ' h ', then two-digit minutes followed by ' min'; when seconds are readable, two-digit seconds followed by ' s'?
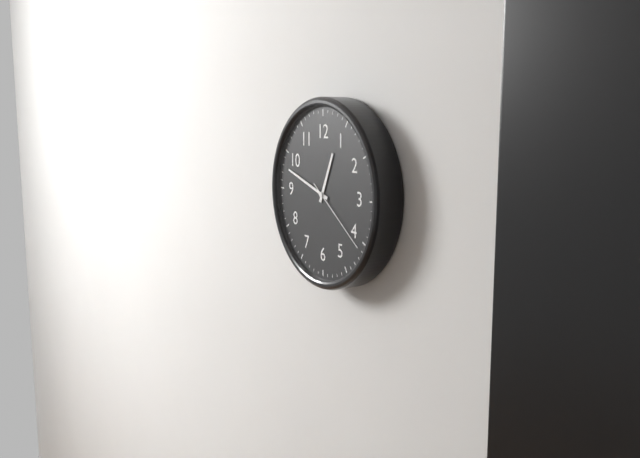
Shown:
12 h 48 min 21 s
